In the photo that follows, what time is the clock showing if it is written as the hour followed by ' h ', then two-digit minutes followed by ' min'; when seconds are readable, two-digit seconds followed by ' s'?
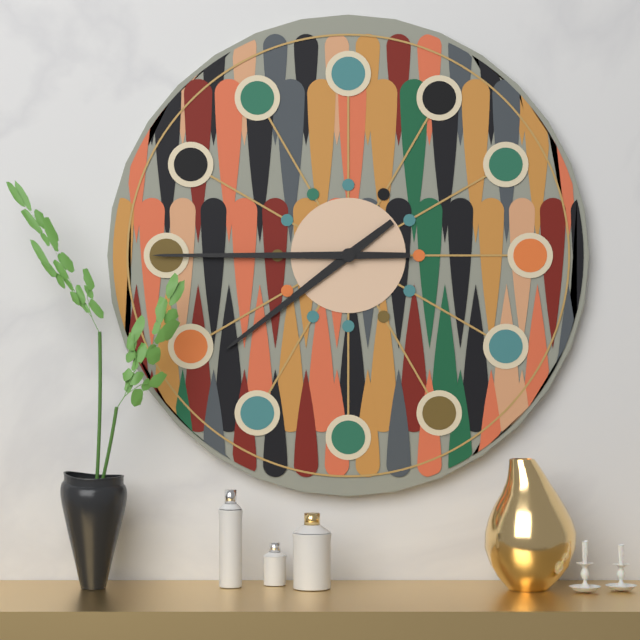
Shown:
7 h 45 min
